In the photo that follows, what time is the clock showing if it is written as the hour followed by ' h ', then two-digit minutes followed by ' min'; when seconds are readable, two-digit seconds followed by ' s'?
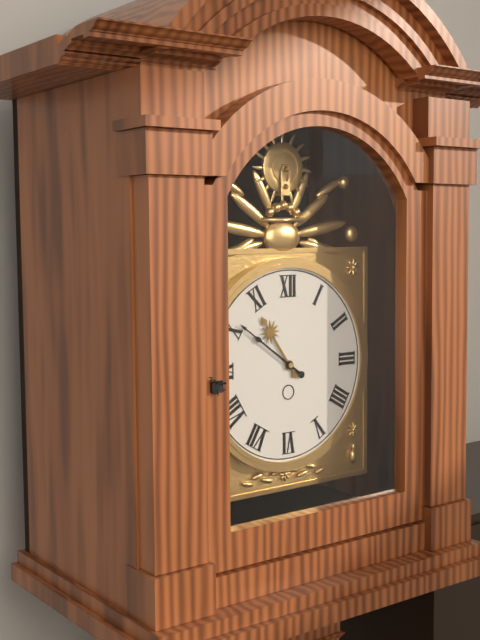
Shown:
10 h 51 min
